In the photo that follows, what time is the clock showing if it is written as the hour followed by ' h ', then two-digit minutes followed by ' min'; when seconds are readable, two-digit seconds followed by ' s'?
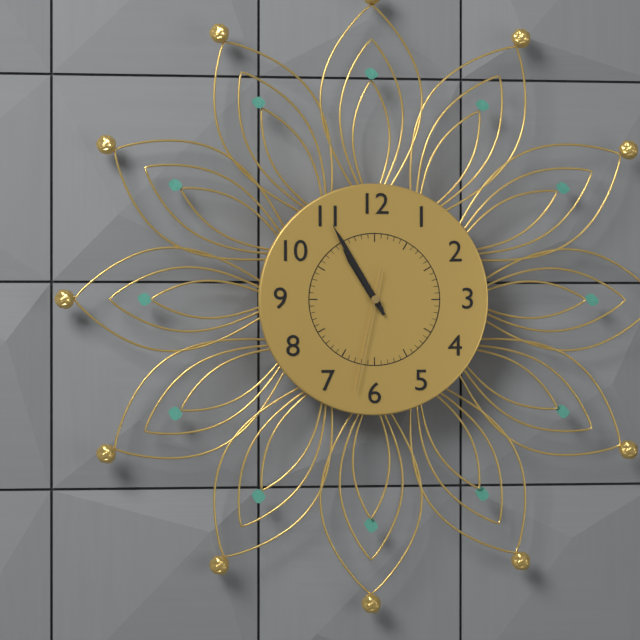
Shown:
10 h 55 min 32 s
